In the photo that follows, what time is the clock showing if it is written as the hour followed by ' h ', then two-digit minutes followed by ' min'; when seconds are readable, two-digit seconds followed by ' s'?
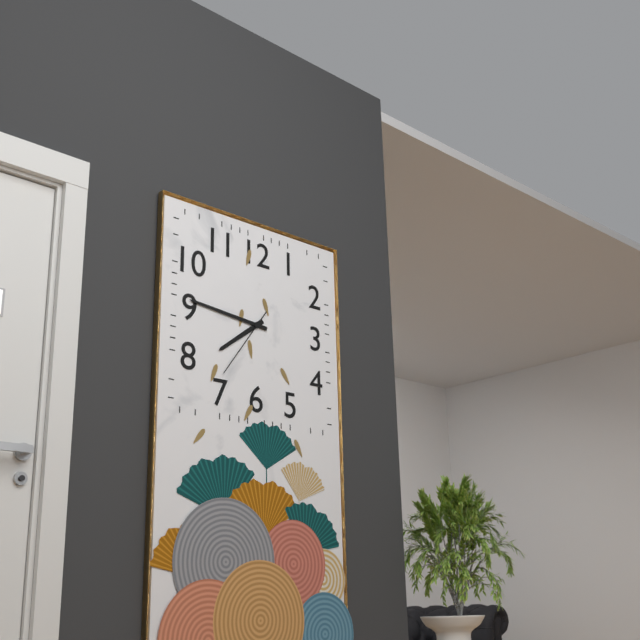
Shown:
7 h 46 min 36 s
